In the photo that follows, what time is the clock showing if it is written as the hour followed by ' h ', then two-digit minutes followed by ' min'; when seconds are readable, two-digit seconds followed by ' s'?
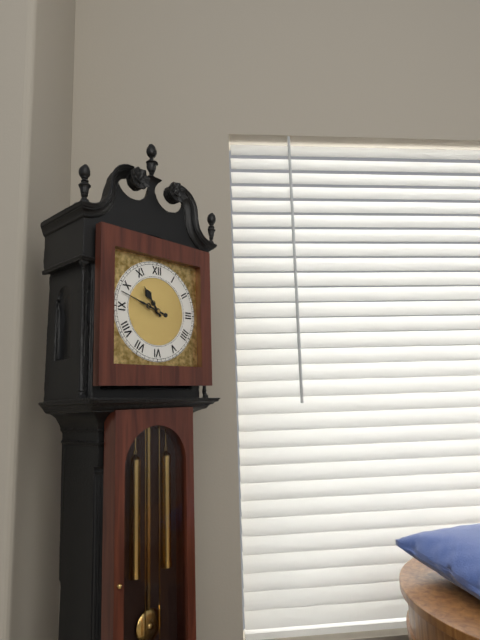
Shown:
10 h 48 min
